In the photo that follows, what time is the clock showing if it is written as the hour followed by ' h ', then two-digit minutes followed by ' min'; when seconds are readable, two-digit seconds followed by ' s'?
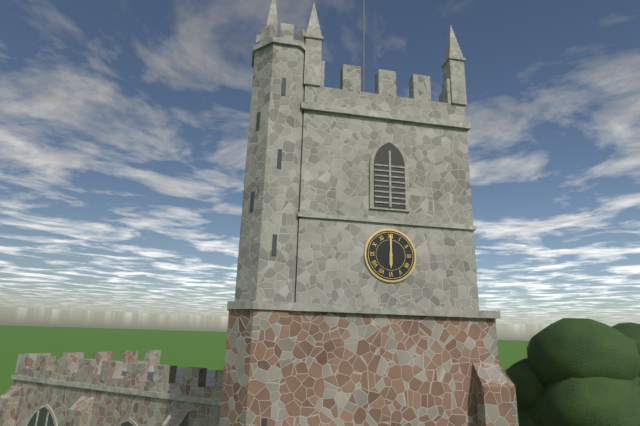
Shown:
6 h 00 min
